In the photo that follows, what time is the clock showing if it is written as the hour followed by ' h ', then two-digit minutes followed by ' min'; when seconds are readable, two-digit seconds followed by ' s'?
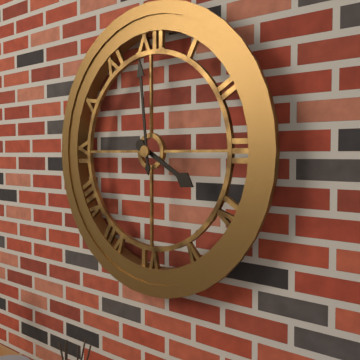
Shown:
3 h 59 min
